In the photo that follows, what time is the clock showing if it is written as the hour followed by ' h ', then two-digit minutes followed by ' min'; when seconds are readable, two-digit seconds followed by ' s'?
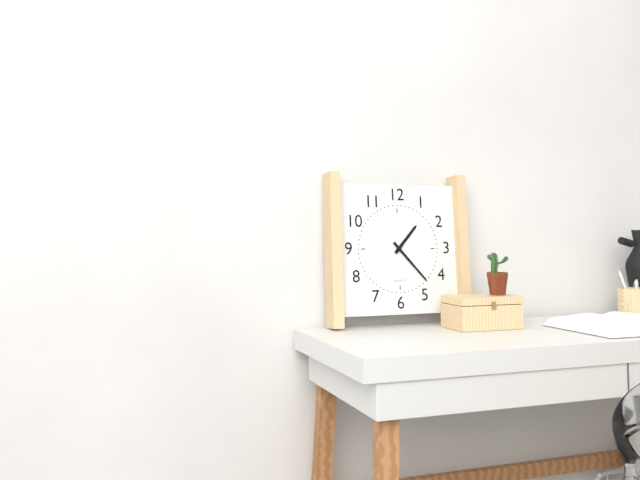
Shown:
1 h 23 min
